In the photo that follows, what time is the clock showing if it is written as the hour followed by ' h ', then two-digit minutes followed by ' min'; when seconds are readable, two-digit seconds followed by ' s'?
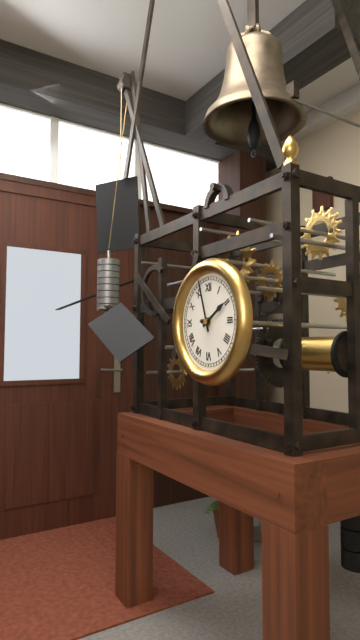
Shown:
1 h 57 min
